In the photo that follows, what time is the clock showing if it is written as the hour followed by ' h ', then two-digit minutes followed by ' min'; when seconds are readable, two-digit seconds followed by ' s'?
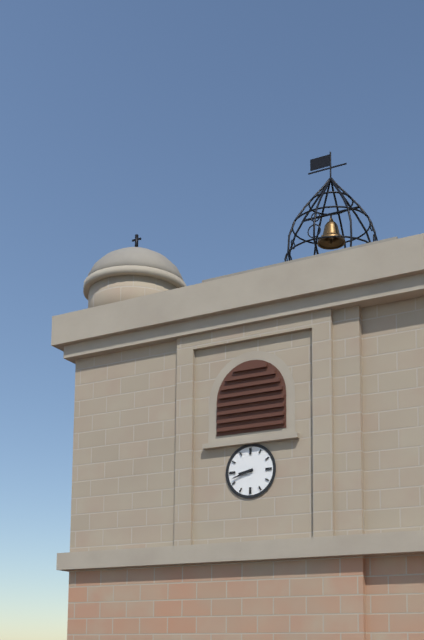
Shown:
8 h 42 min
